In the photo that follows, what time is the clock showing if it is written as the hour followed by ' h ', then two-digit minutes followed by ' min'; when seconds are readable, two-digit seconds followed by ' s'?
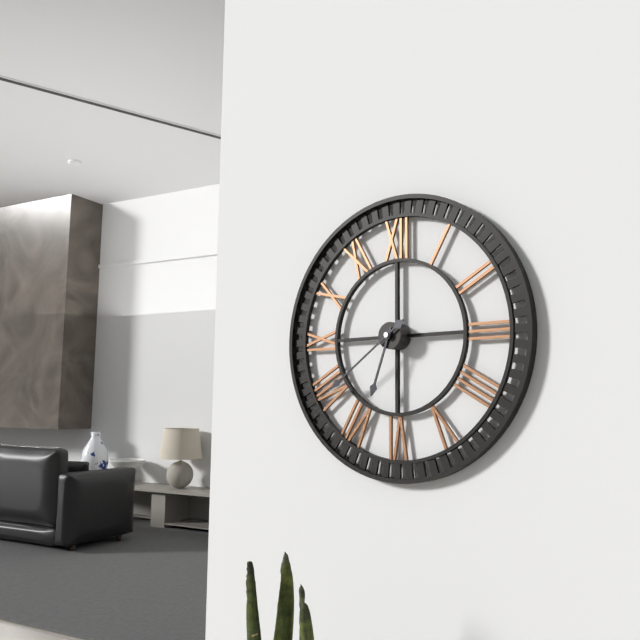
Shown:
6 h 39 min
